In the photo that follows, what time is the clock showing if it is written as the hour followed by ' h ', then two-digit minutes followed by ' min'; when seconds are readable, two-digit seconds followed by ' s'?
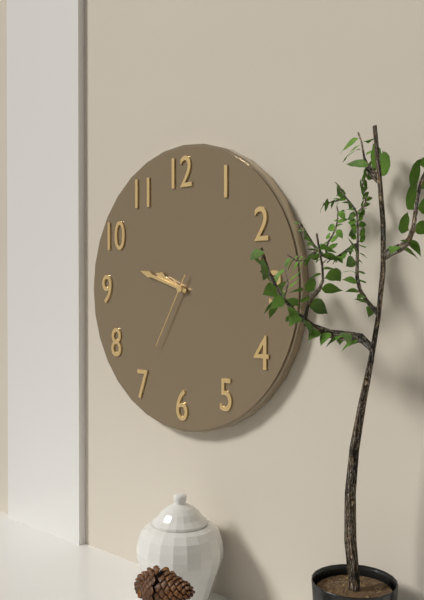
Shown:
9 h 48 min 35 s
